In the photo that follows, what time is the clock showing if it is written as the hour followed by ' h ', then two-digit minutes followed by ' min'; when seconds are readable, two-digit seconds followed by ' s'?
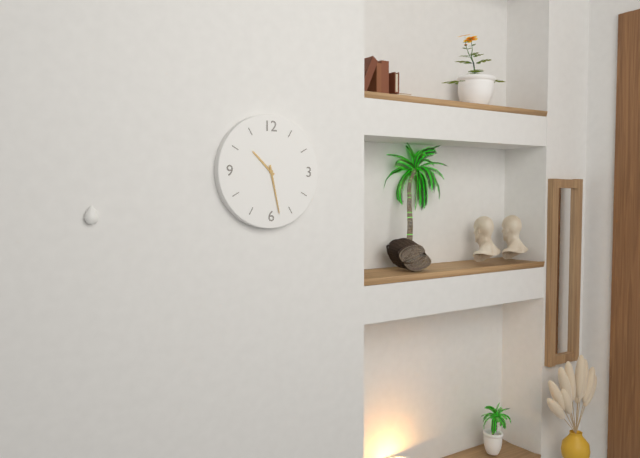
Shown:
10 h 28 min
